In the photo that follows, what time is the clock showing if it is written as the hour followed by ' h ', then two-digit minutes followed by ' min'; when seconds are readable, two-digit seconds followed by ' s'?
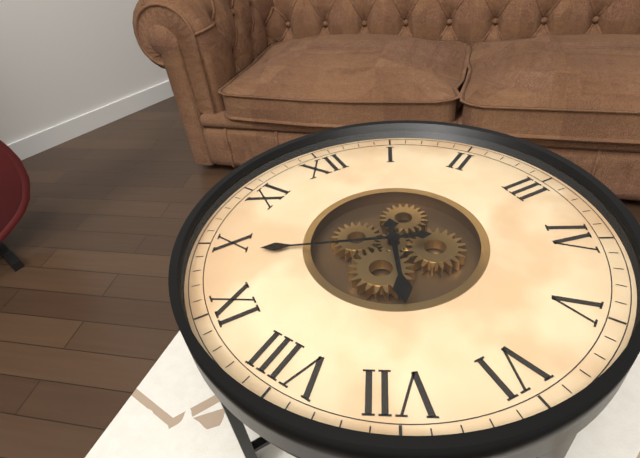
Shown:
6 h 49 min
